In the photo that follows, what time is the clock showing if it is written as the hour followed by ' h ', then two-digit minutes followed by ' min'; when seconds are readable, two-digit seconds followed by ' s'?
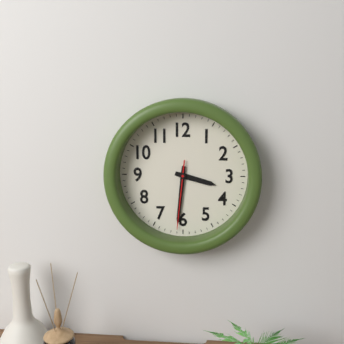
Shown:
3 h 31 min 31 s
